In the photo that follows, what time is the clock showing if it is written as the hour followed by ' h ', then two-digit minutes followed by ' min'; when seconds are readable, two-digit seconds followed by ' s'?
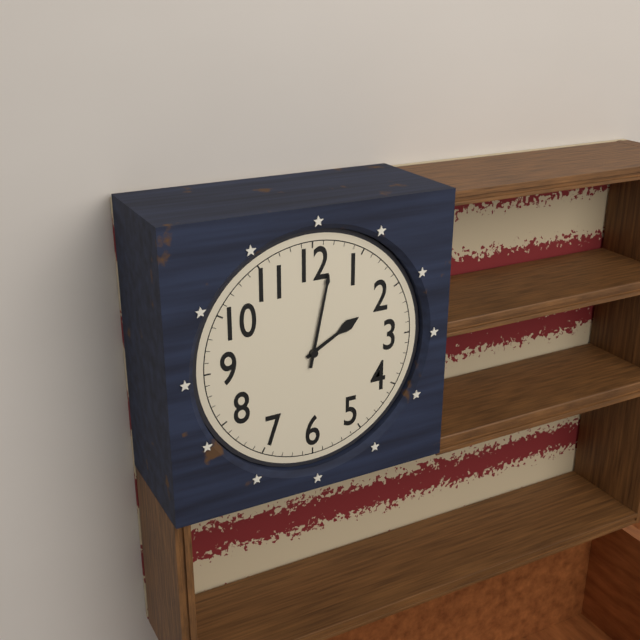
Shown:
2 h 02 min
